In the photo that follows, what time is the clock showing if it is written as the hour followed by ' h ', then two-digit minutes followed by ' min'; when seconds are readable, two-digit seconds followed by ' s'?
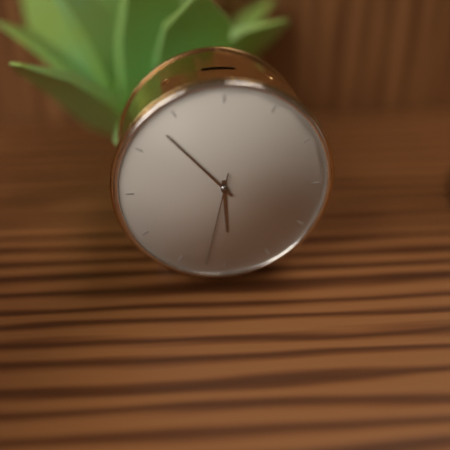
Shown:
5 h 53 min 32 s
